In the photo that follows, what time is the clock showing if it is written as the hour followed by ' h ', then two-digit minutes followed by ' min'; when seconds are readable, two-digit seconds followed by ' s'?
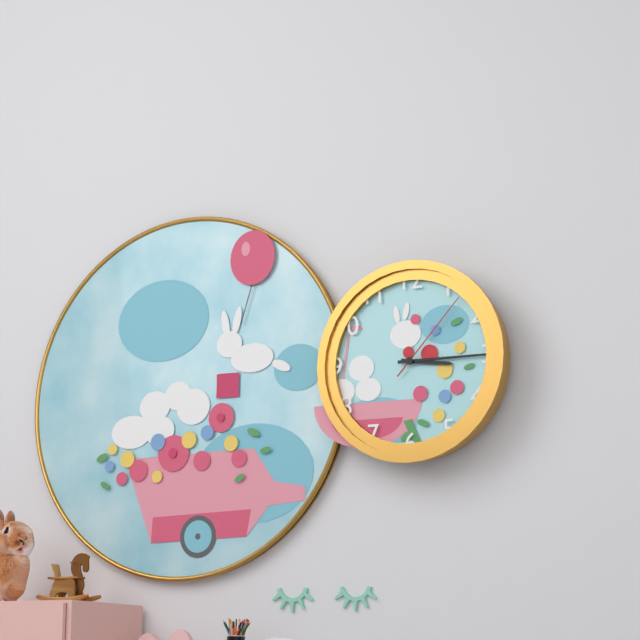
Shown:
3 h 15 min 07 s
